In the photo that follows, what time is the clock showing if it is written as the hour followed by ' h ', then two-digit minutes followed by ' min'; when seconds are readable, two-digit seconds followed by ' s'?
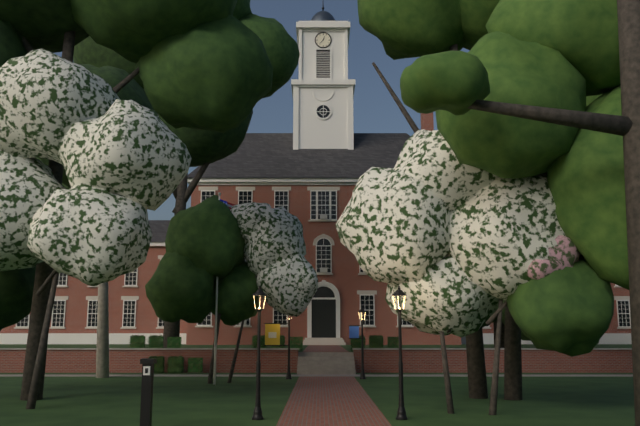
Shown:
12 h 37 min
